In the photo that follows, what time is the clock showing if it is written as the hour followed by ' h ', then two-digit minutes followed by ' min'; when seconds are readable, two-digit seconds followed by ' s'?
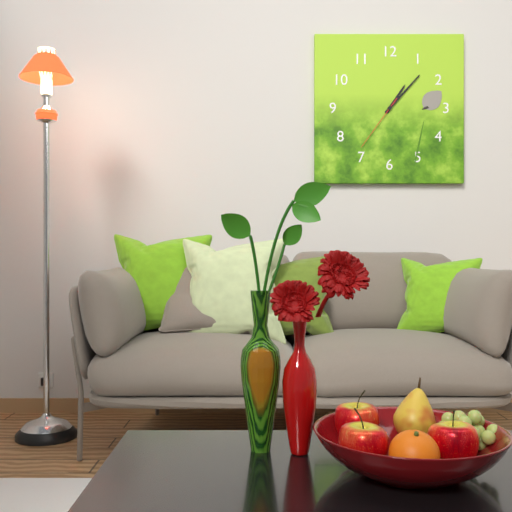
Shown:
1 h 07 min 36 s
